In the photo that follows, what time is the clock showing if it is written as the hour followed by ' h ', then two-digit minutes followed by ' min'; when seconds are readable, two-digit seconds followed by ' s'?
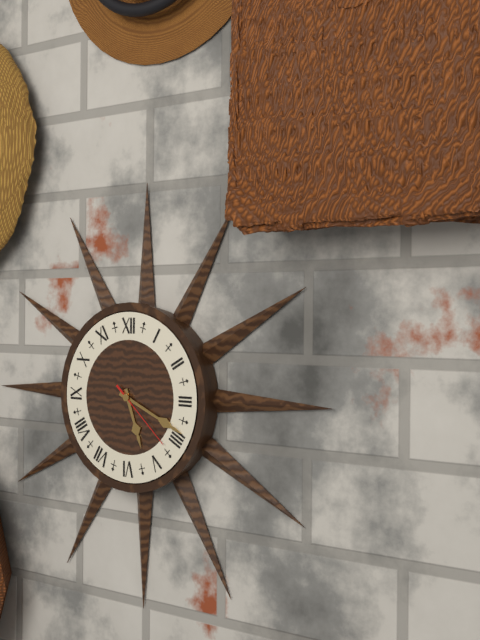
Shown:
5 h 19 min 22 s
